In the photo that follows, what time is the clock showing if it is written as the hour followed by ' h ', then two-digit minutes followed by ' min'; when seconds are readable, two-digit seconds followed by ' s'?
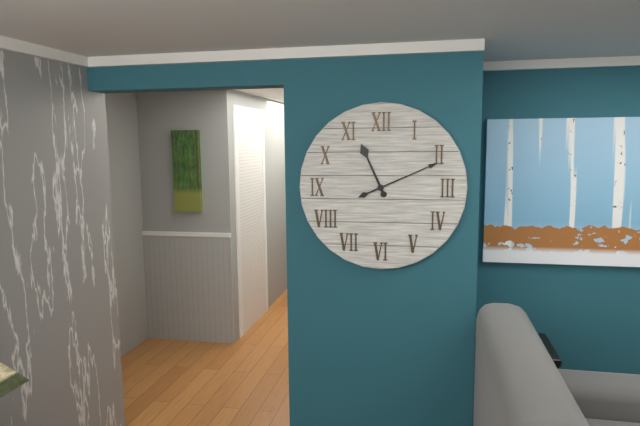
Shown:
11 h 11 min
